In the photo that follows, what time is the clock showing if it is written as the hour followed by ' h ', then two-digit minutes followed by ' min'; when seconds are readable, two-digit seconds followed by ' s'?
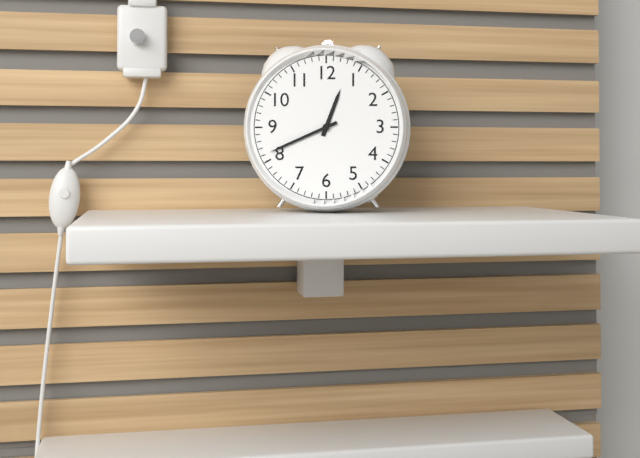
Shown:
12 h 41 min
